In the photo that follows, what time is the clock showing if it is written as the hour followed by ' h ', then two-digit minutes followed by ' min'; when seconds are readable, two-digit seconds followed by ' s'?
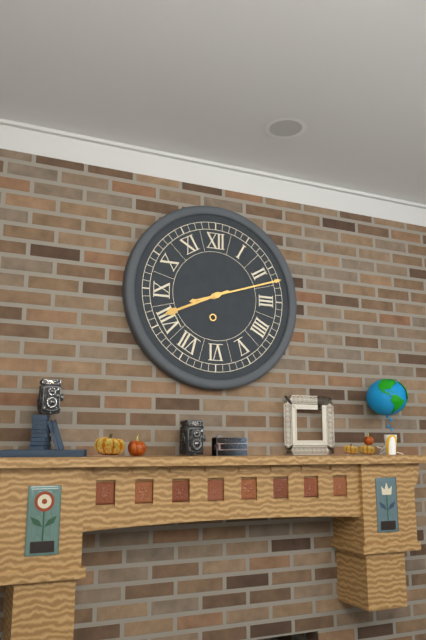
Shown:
8 h 12 min
